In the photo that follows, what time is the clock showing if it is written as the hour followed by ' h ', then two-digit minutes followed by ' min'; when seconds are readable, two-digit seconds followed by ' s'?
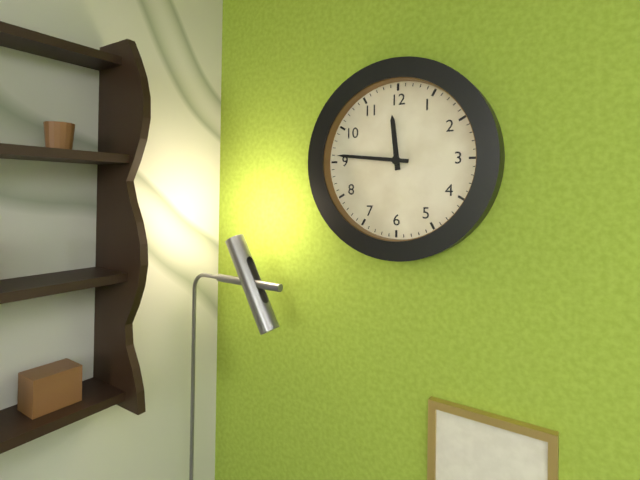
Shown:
11 h 46 min
